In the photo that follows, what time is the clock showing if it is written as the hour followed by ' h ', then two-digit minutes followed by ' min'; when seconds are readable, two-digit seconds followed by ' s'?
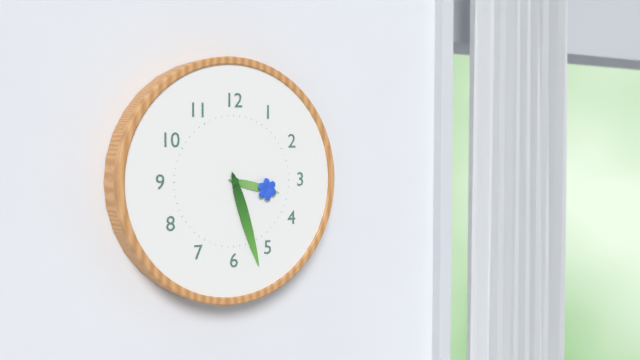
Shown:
3 h 27 min
